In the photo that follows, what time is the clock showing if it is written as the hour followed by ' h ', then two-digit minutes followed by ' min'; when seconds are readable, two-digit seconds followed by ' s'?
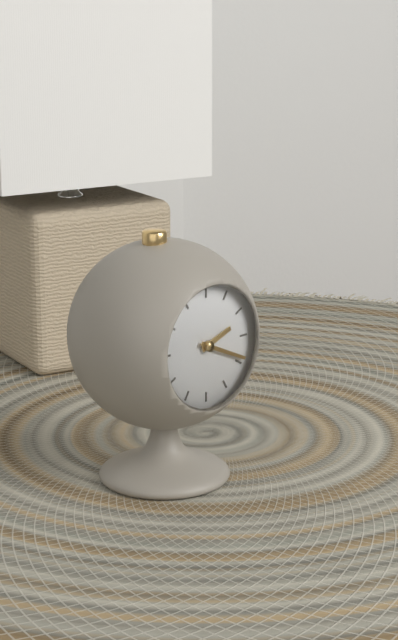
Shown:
2 h 19 min
